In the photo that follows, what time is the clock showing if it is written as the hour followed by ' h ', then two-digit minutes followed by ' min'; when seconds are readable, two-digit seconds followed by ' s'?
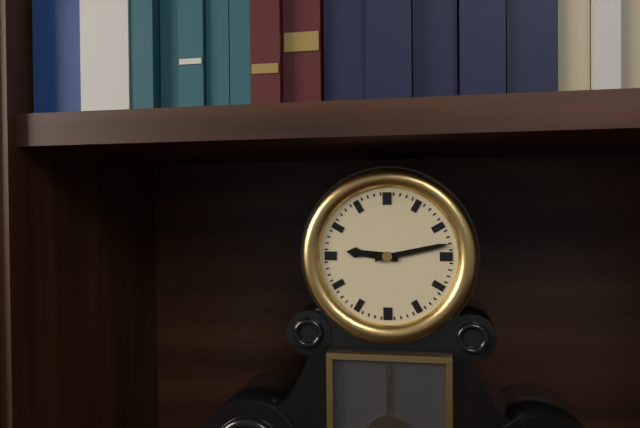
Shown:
9 h 13 min
